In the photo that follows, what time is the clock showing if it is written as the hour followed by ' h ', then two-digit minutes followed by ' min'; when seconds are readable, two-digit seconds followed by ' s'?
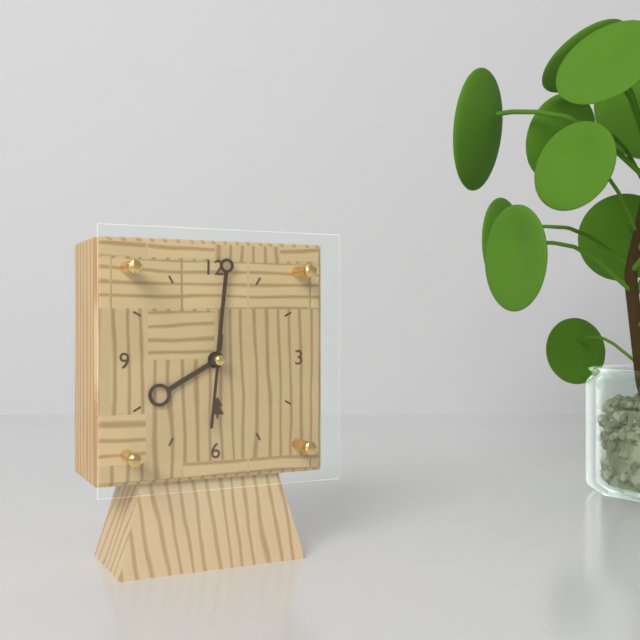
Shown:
8 h 01 min 31 s
